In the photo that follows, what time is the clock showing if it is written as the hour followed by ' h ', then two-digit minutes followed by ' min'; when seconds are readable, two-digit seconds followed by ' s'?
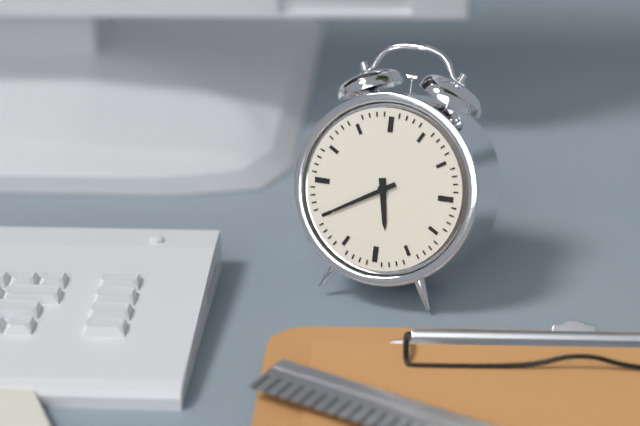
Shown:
5 h 40 min
